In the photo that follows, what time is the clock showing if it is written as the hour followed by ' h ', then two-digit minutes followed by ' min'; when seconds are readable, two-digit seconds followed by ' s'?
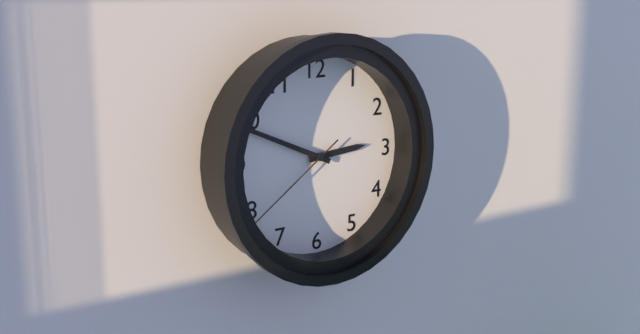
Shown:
2 h 49 min 39 s
